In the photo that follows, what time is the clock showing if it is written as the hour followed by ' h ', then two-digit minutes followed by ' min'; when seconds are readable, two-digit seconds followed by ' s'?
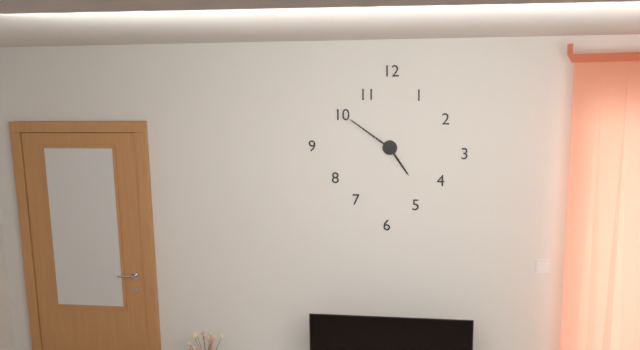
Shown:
4 h 51 min
